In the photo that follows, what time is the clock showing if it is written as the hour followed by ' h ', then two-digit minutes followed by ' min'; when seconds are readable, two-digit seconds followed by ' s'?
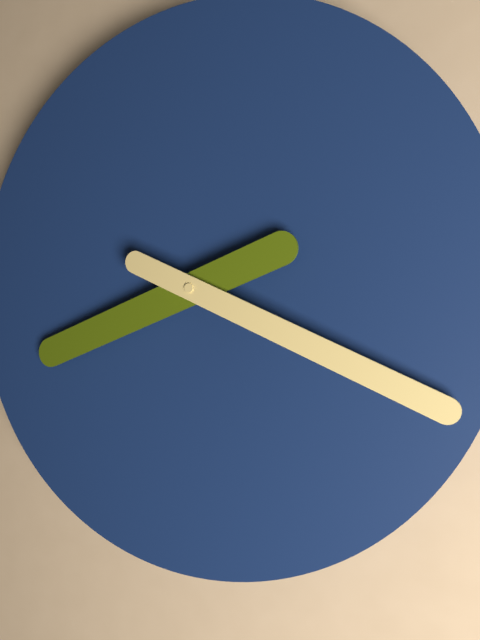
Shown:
8 h 19 min
